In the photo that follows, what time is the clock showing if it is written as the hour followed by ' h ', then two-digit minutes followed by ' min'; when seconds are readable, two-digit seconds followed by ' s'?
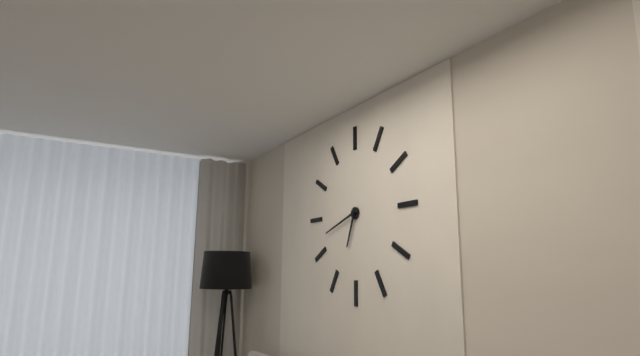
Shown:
6 h 42 min
